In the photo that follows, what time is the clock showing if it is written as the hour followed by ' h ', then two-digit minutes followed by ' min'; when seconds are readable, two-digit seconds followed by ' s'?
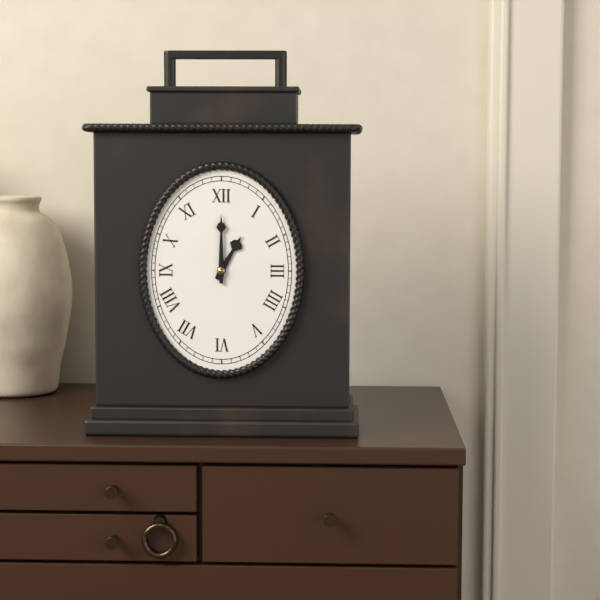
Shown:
1 h 00 min
